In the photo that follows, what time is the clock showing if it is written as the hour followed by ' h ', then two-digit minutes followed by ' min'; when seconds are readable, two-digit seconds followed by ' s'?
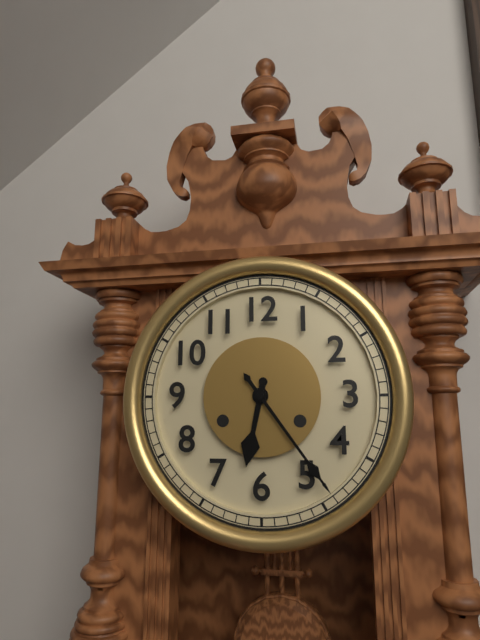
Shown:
6 h 24 min
